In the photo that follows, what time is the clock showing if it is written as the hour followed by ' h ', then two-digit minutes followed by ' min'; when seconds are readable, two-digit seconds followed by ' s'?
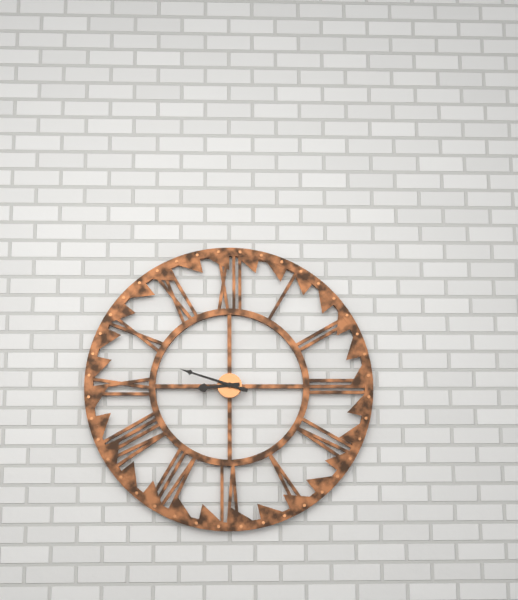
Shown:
8 h 48 min
